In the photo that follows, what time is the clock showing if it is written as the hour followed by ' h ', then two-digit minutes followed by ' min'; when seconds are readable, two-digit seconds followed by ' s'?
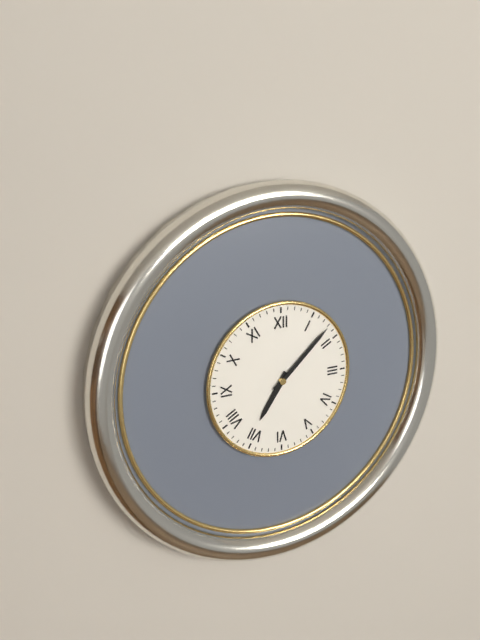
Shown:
7 h 08 min
